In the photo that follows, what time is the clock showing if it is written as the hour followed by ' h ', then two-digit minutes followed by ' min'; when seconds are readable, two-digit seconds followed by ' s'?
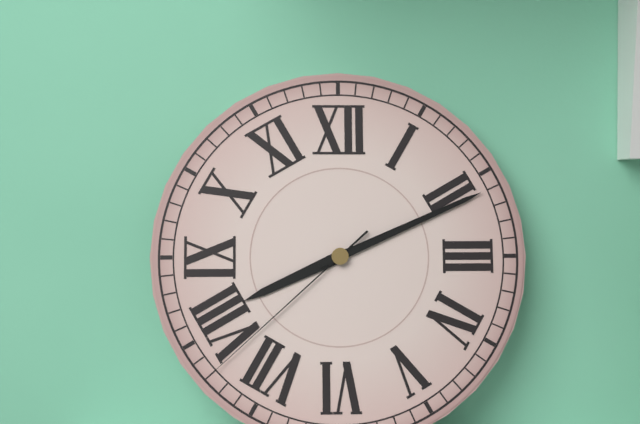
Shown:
8 h 11 min 38 s
